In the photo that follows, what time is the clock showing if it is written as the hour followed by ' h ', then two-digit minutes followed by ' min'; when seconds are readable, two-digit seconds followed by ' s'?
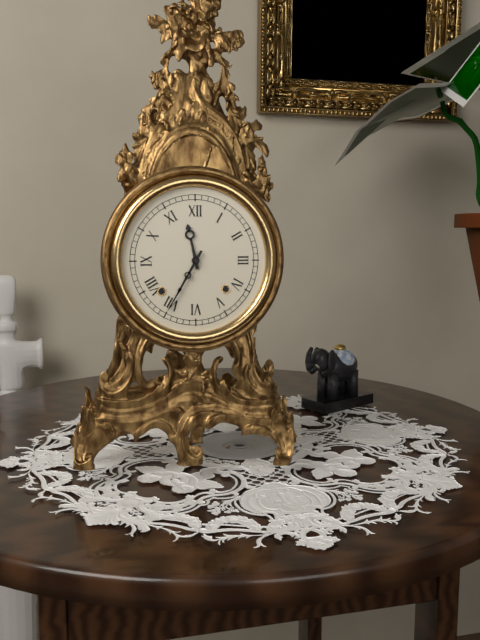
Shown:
11 h 35 min
